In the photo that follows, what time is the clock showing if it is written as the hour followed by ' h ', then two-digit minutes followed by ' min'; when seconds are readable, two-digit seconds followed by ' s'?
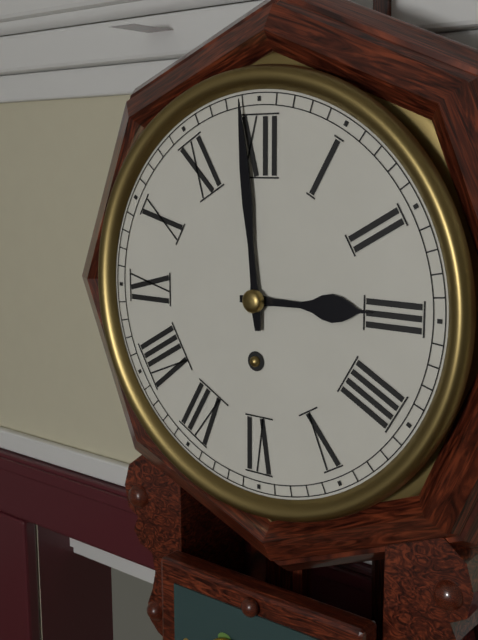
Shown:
2 h 59 min
